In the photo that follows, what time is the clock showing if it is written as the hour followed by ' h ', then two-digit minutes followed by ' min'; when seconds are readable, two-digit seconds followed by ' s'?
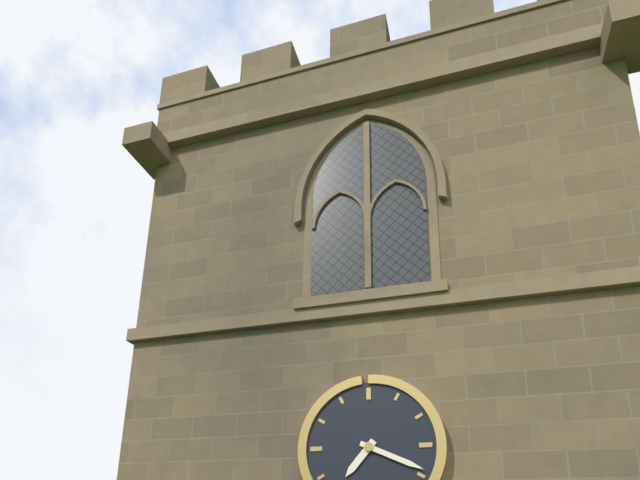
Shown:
7 h 19 min
